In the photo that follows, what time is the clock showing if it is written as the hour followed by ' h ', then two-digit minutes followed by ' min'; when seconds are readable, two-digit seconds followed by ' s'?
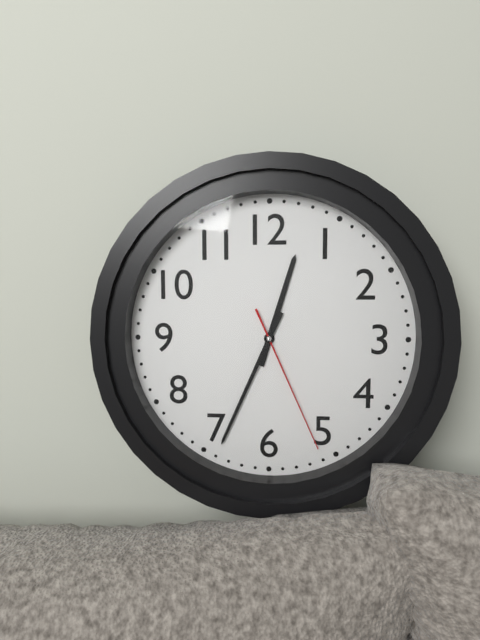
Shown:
12 h 34 min 26 s
